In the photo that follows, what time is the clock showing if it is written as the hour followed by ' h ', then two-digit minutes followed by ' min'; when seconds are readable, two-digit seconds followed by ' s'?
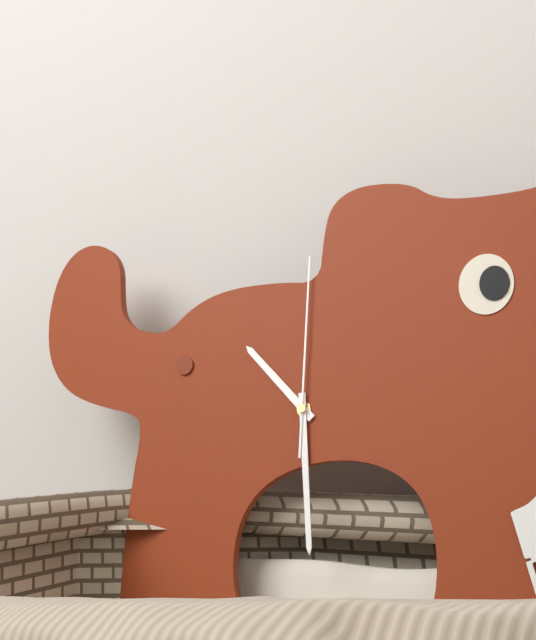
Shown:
10 h 29 min 00 s
